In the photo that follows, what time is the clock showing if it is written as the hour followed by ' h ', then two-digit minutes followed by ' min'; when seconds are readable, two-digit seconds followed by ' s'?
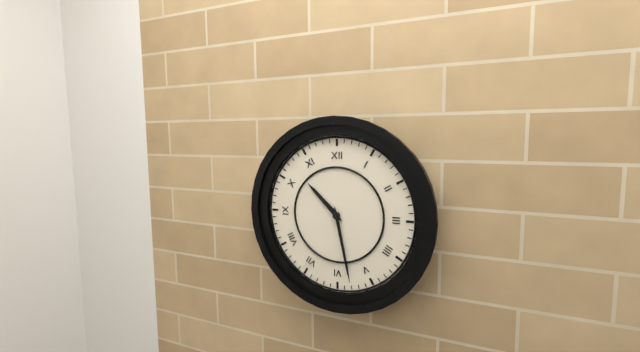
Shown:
10 h 28 min
